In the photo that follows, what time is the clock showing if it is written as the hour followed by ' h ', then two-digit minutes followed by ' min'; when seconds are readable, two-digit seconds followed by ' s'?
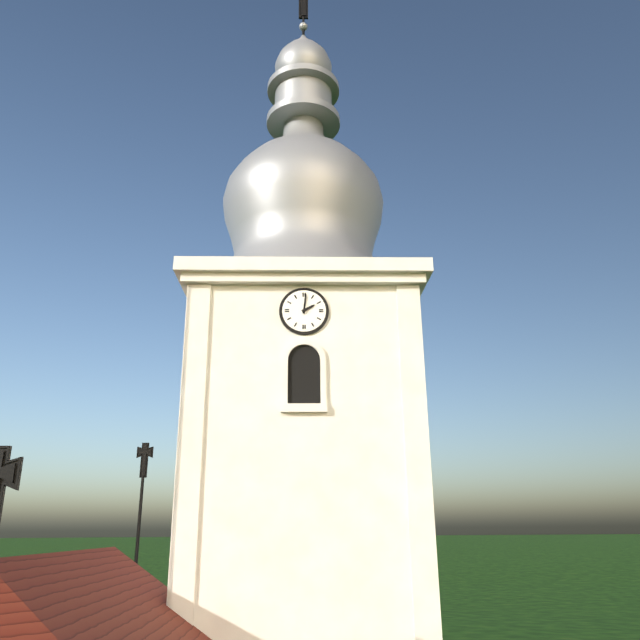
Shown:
2 h 01 min
